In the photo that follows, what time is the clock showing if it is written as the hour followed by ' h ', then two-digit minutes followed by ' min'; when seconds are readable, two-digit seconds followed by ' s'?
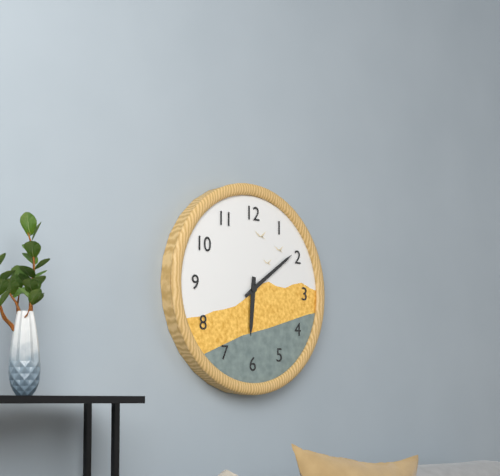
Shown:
6 h 09 min
